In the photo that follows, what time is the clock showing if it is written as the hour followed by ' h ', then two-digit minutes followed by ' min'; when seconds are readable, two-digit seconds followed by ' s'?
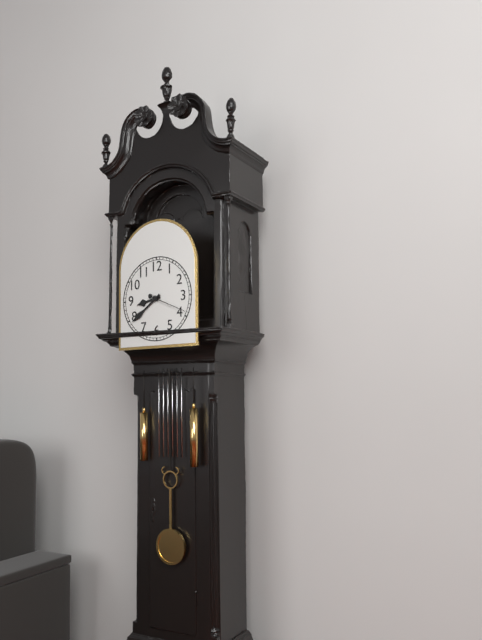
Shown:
8 h 39 min
